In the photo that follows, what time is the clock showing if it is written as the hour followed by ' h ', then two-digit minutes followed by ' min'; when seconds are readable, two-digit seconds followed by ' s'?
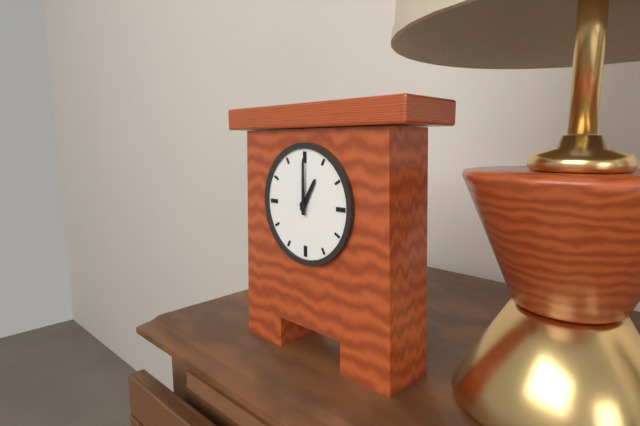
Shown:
1 h 00 min
